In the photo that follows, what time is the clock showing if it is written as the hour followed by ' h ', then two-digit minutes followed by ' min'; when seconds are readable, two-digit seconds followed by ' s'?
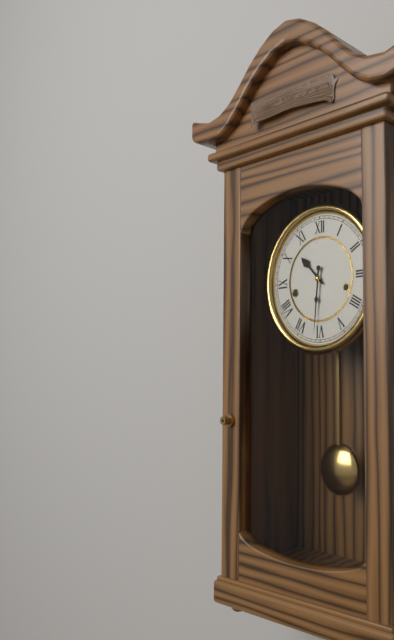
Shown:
10 h 31 min
